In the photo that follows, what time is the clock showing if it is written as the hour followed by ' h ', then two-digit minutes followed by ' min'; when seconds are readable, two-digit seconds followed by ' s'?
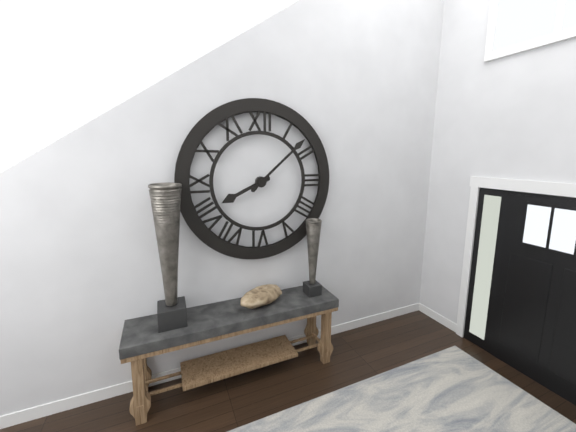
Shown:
8 h 08 min
